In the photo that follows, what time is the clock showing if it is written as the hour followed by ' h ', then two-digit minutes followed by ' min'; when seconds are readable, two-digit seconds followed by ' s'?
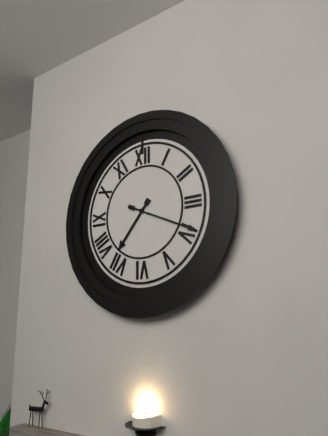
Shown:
7 h 19 min
